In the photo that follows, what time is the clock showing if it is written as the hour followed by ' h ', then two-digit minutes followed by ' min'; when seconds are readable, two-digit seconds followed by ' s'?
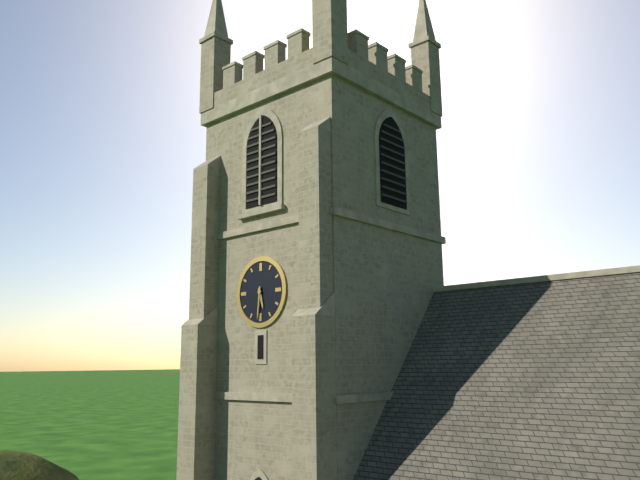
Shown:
5 h 31 min
